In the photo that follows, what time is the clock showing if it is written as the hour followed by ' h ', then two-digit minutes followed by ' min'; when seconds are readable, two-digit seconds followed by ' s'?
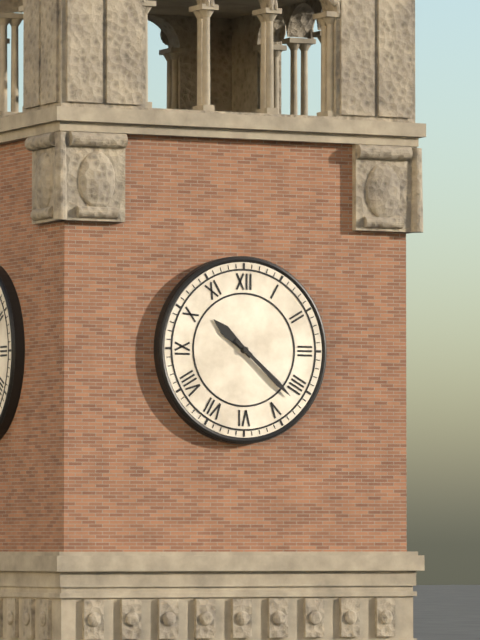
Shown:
10 h 22 min
